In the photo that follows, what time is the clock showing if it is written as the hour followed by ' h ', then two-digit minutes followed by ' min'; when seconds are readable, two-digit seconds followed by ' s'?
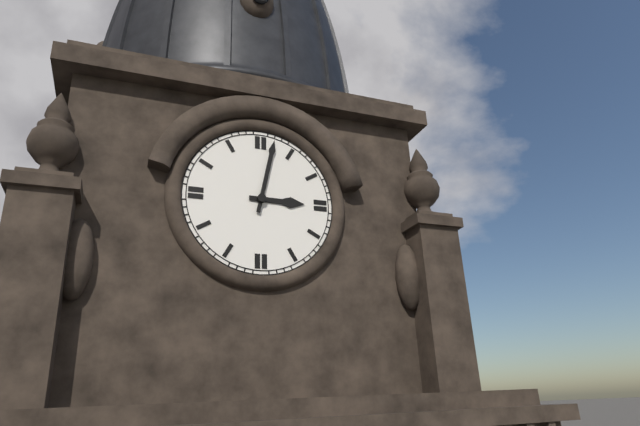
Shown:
3 h 02 min
